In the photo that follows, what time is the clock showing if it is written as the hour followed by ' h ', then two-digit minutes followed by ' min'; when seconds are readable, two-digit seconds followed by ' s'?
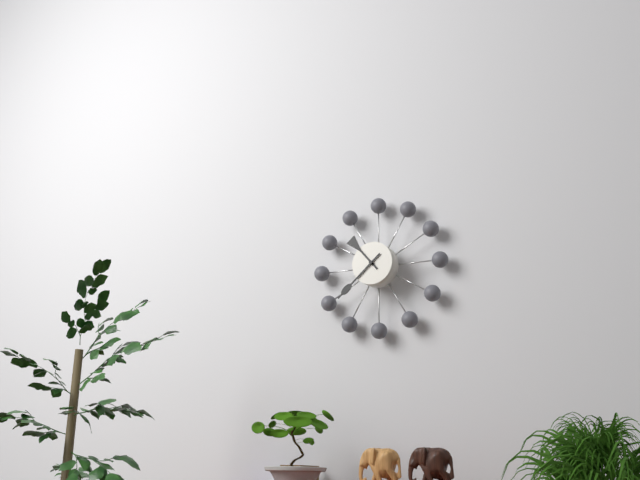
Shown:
10 h 38 min
